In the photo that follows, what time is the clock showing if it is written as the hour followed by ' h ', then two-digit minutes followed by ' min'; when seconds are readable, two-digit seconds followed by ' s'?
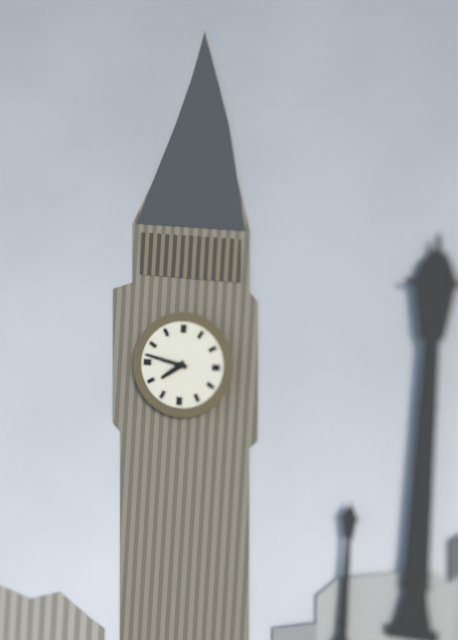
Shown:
7 h 47 min
